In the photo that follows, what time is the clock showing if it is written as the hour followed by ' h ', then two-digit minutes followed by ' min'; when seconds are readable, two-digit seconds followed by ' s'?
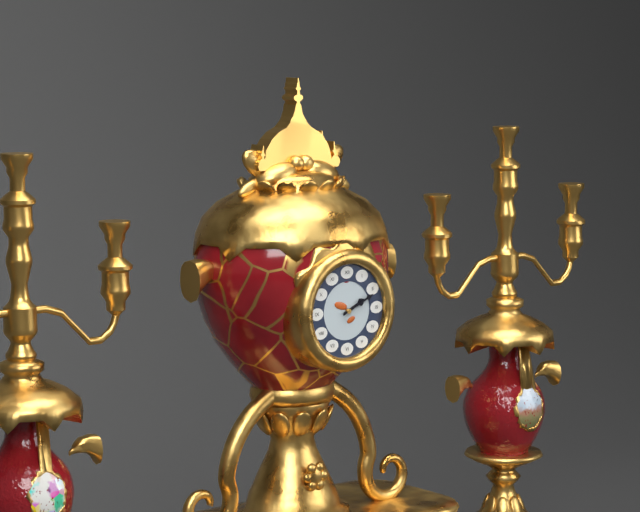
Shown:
2 h 11 min
